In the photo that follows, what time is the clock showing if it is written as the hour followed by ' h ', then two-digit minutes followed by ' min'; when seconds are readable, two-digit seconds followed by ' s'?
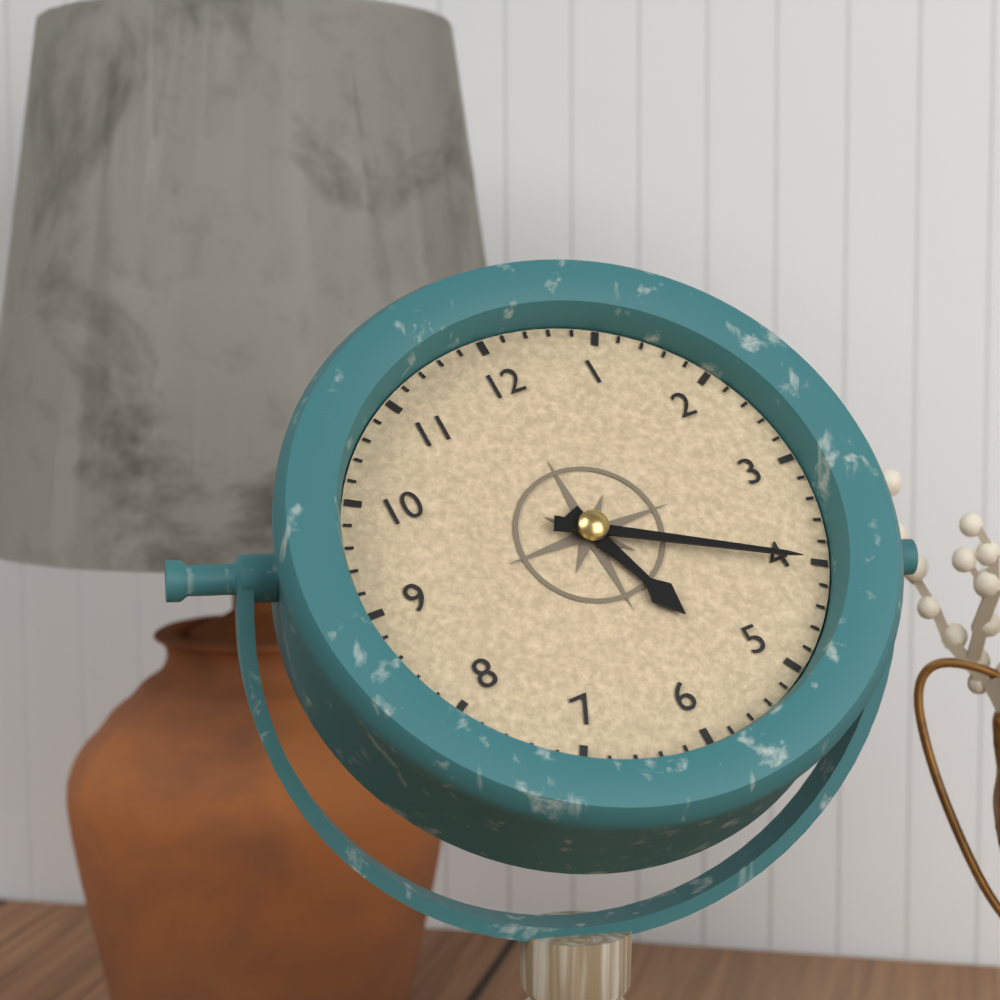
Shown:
5 h 20 min
